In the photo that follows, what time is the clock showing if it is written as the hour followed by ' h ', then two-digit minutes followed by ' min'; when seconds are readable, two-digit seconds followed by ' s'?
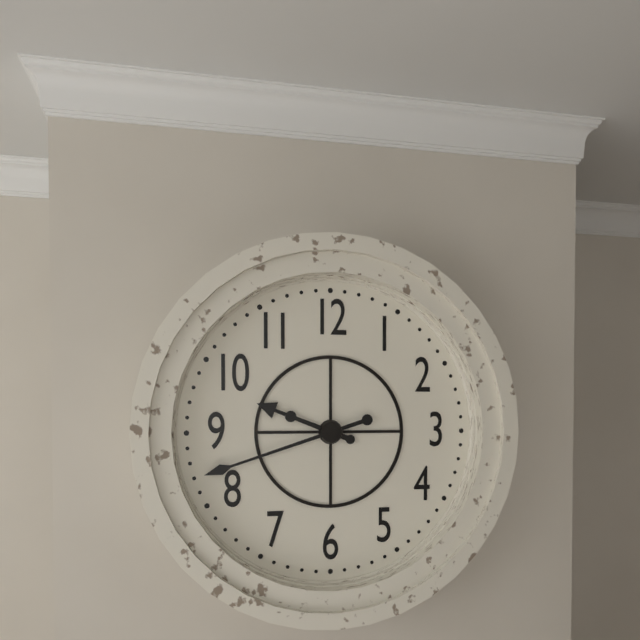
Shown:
9 h 42 min
